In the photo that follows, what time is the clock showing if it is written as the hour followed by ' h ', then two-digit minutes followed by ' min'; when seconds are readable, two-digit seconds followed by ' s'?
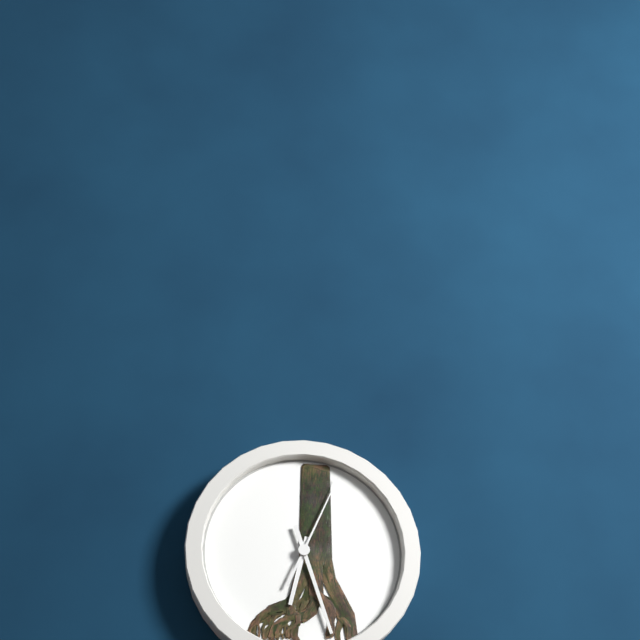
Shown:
6 h 27 min 04 s
